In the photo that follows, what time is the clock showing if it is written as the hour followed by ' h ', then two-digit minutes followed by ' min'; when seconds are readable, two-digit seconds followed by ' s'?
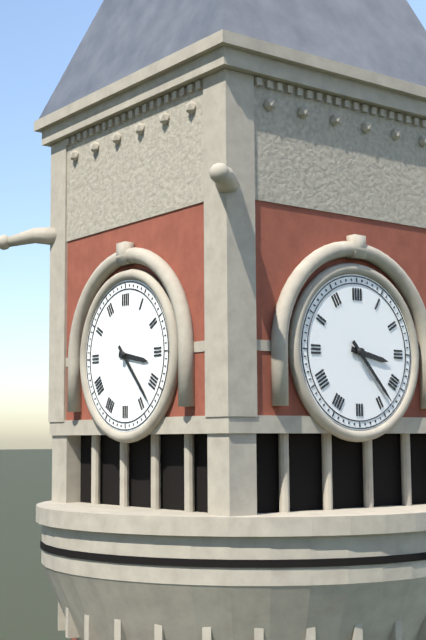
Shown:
3 h 23 min
